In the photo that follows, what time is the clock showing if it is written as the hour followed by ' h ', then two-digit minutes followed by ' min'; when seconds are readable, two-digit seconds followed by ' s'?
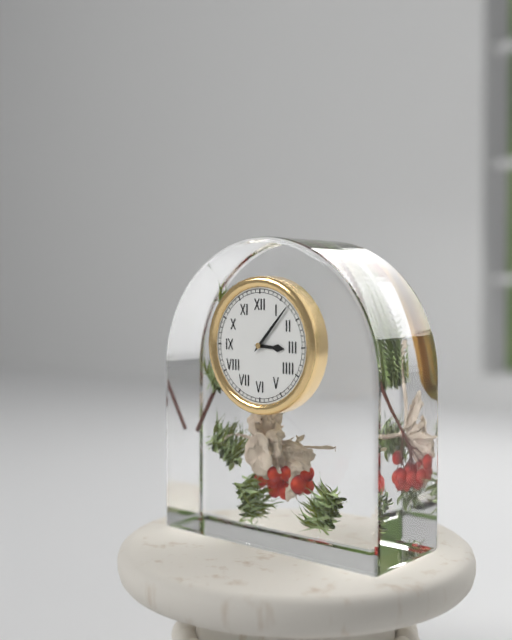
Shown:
3 h 07 min
